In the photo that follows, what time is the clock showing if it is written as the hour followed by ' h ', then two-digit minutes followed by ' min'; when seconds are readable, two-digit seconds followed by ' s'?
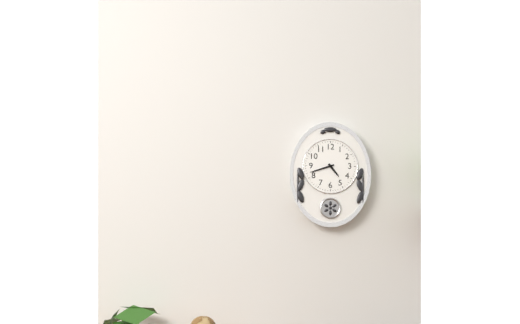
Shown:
4 h 42 min
